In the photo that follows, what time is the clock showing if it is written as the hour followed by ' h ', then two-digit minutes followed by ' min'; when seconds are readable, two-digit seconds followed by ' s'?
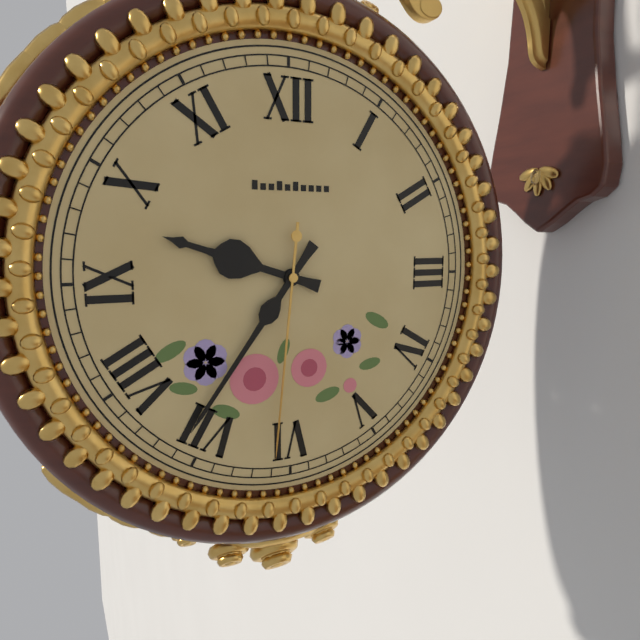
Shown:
9 h 36 min 31 s
